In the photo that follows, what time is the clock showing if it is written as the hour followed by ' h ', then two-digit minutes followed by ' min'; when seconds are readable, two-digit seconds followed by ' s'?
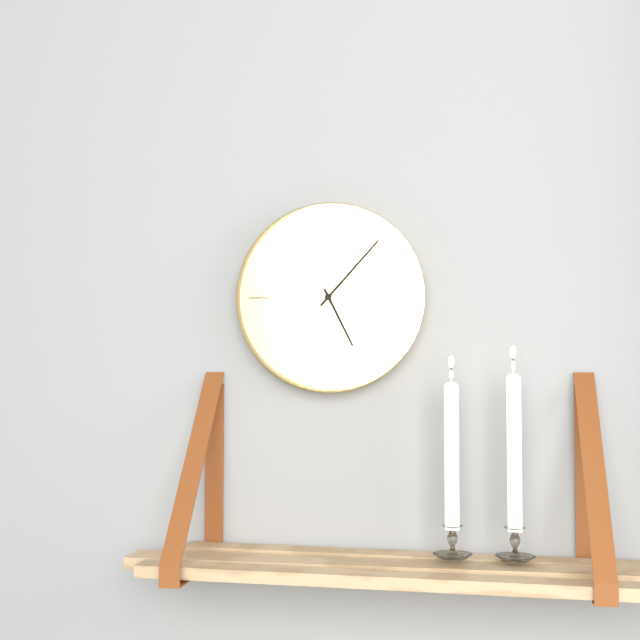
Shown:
5 h 07 min
